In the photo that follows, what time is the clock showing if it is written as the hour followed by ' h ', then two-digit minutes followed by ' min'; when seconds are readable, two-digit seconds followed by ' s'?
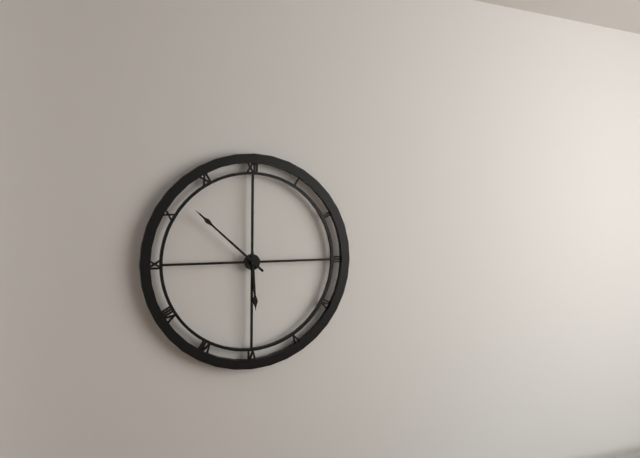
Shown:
5 h 52 min
